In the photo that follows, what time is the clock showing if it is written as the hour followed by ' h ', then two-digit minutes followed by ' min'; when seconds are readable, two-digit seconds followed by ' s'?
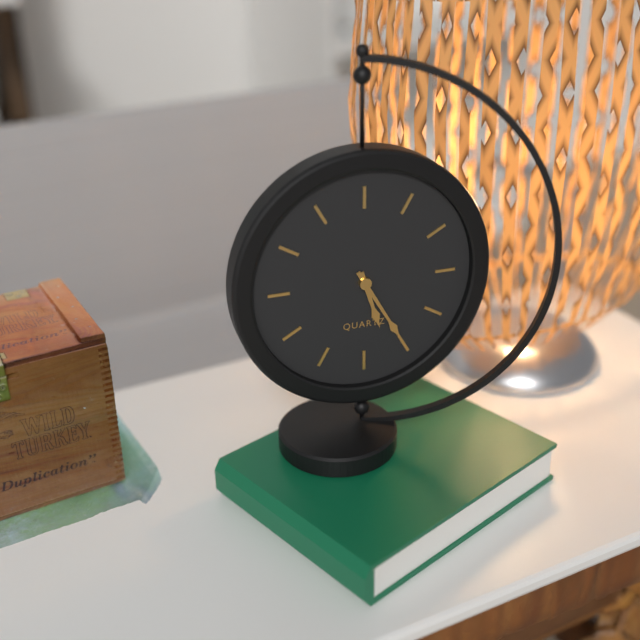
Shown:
5 h 25 min
